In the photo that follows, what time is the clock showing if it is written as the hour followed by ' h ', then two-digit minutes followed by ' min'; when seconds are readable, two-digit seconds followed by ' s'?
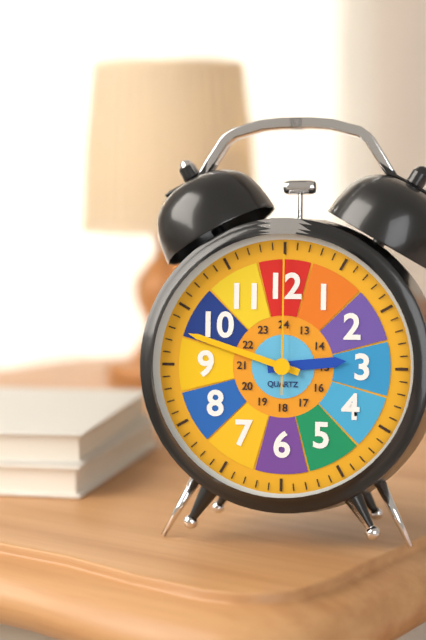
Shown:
2 h 48 min 00 s
